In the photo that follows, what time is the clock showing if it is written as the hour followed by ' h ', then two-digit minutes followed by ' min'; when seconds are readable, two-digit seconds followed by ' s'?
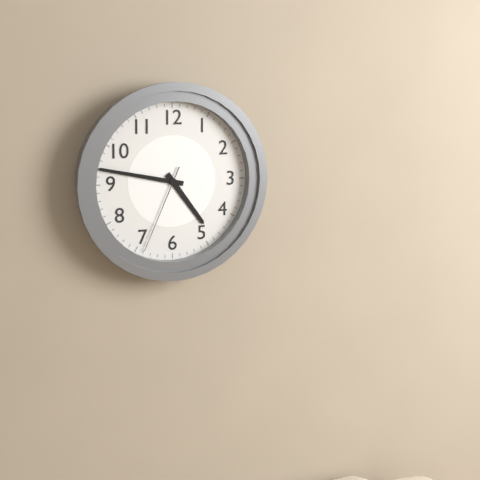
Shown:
4 h 47 min 34 s
